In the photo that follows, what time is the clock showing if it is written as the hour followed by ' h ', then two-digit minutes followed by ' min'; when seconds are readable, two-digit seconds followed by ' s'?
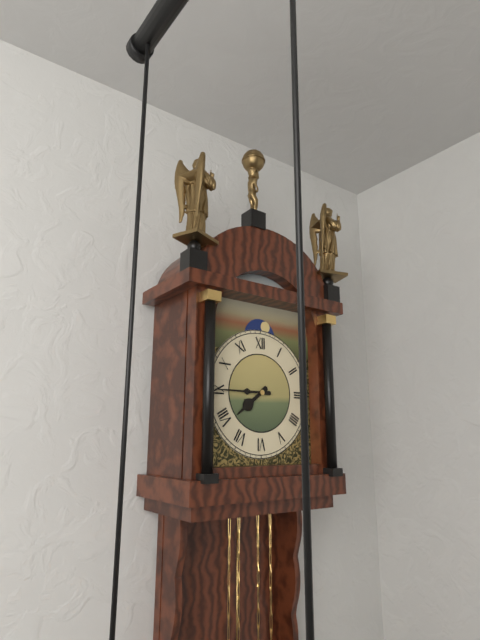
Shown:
7 h 45 min
